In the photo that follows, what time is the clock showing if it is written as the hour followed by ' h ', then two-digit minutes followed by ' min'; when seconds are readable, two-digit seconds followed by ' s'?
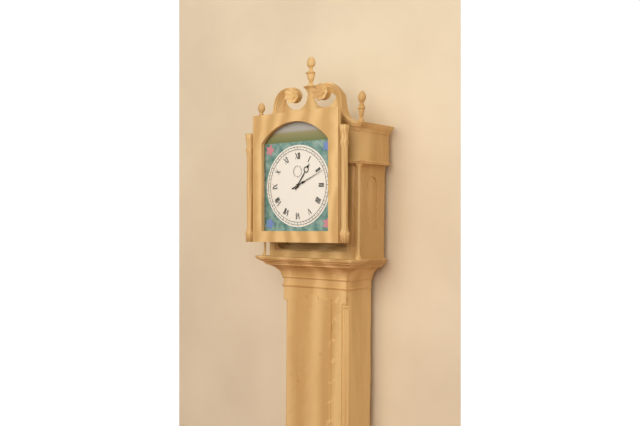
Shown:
1 h 11 min
